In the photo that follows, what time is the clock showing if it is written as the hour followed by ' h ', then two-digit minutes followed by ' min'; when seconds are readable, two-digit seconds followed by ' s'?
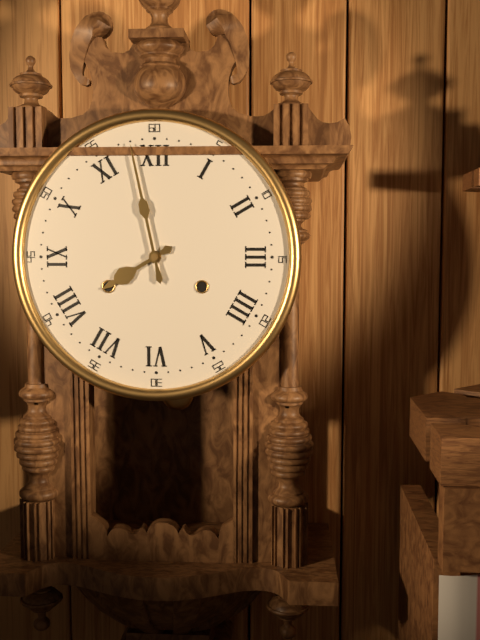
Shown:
7 h 58 min
